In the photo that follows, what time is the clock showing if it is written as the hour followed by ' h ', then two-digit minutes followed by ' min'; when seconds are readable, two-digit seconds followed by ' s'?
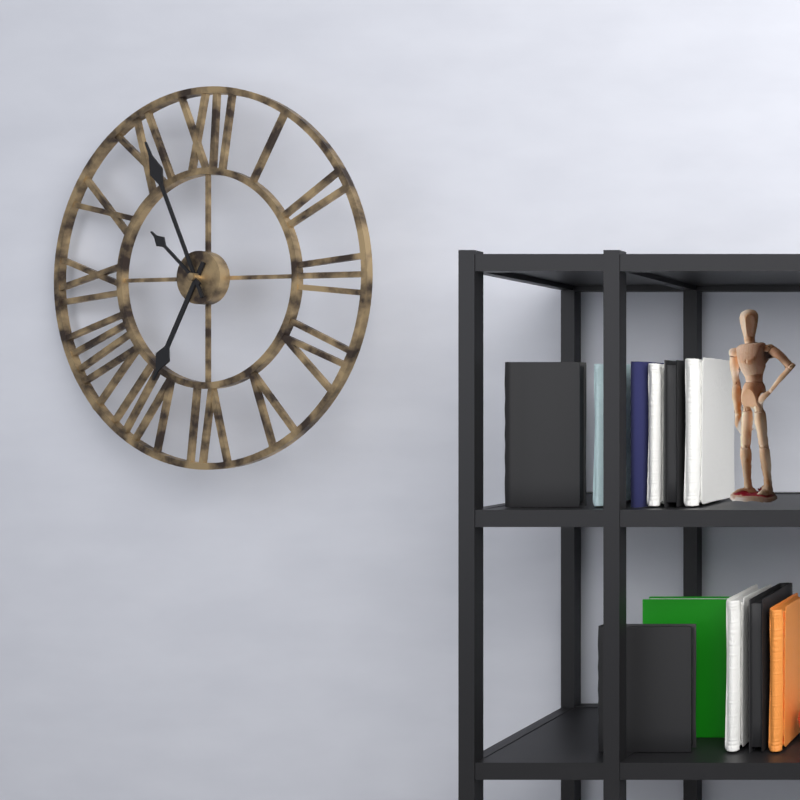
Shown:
6 h 56 min 52 s
